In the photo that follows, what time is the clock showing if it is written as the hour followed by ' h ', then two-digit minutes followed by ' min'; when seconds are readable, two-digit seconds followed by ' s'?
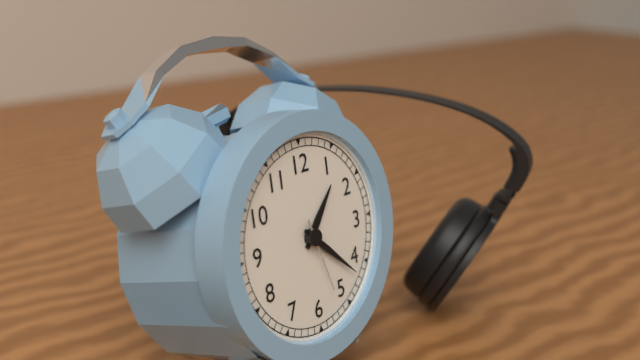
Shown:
1 h 22 min 27 s
